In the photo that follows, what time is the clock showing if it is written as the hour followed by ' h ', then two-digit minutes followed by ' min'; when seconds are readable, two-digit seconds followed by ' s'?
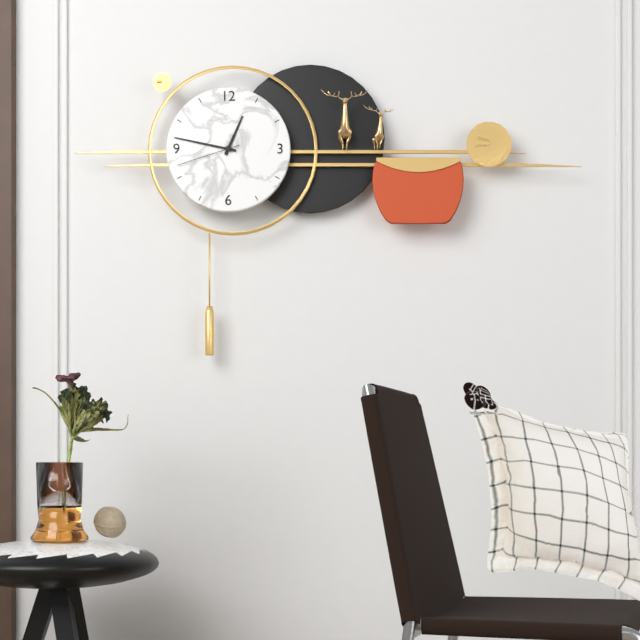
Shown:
12 h 47 min 42 s
